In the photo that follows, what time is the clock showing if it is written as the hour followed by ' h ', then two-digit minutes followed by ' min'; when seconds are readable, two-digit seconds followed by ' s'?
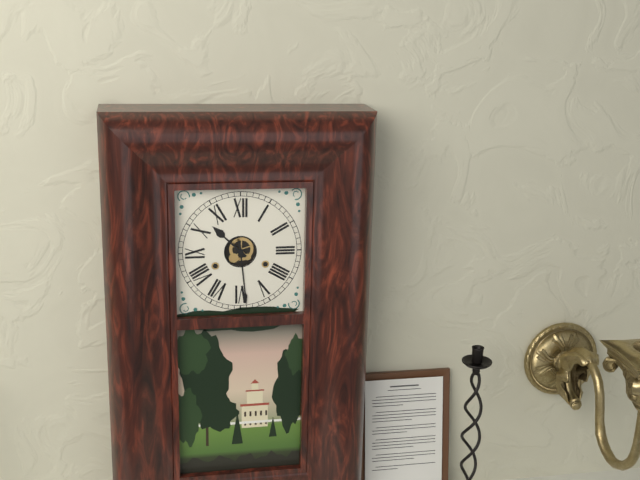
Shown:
10 h 29 min
